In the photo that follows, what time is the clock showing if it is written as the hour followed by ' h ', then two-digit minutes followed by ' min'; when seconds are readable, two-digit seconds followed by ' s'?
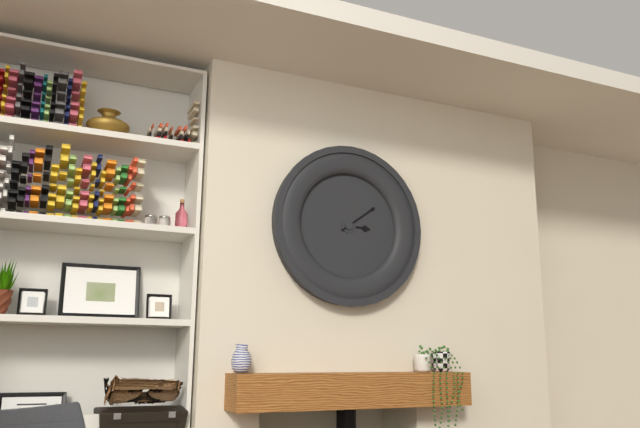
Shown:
3 h 09 min
